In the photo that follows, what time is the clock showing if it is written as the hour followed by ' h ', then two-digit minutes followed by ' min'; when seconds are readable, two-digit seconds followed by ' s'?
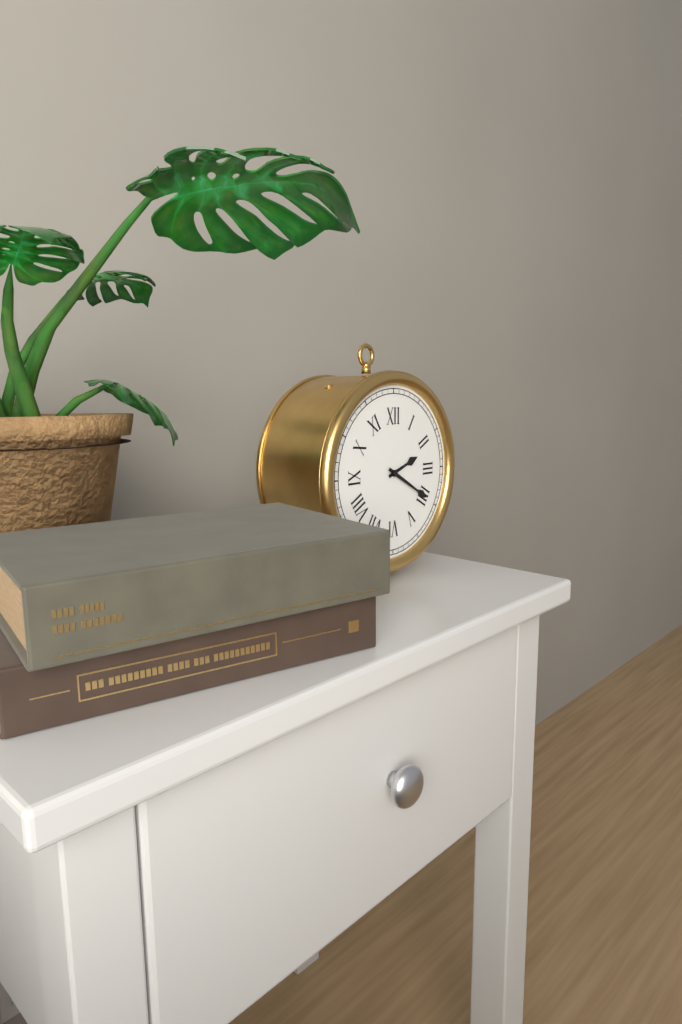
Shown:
2 h 20 min
